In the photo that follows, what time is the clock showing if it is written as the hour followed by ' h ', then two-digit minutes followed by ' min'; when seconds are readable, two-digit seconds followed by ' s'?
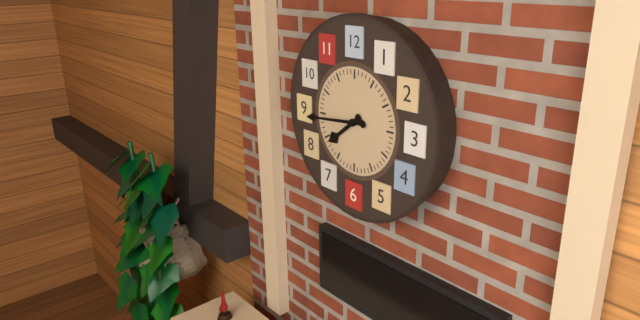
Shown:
7 h 44 min
